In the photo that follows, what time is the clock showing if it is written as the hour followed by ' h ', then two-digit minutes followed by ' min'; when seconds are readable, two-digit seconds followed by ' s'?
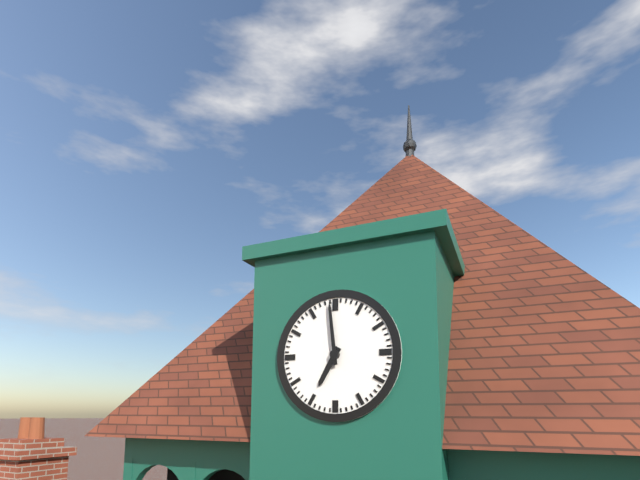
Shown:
6 h 59 min
